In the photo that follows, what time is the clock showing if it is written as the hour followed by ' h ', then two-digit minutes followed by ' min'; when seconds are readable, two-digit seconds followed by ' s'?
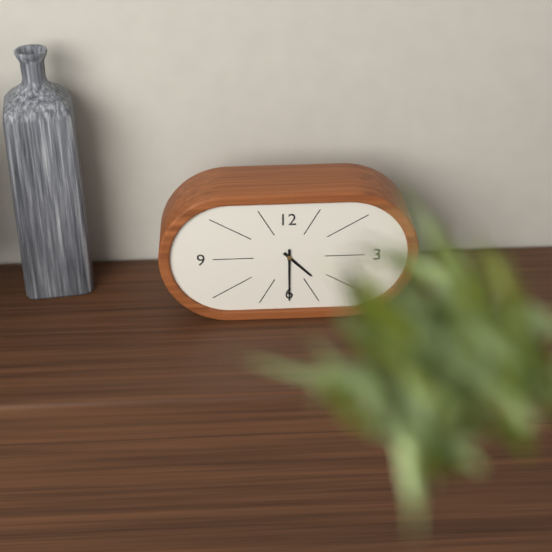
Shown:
4 h 30 min
